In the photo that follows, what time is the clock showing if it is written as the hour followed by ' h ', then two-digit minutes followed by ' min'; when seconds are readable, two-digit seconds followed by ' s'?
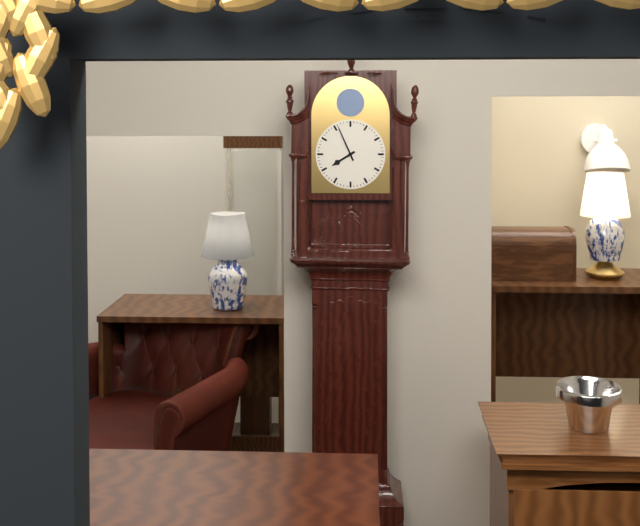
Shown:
7 h 56 min
